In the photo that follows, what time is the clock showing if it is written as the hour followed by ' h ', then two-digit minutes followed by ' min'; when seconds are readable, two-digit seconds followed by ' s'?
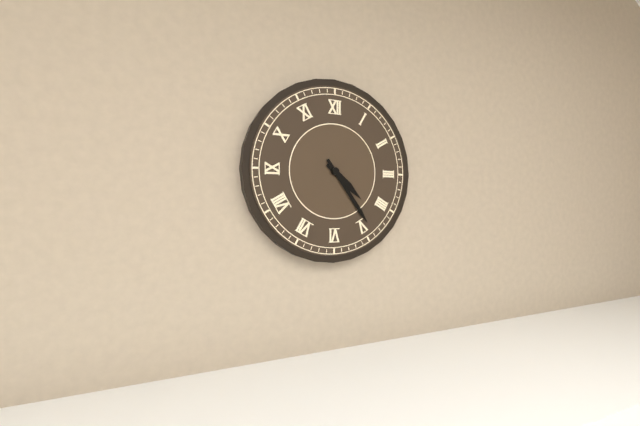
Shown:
4 h 24 min
